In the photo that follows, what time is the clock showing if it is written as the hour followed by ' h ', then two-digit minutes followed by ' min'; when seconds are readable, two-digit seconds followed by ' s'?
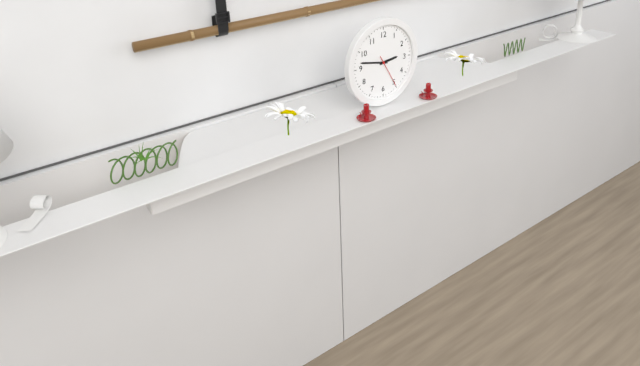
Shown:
2 h 47 min
